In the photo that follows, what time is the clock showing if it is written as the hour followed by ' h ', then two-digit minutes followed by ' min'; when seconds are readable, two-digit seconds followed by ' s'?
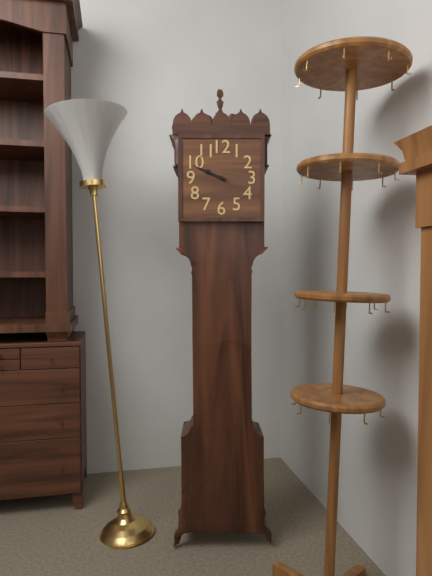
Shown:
9 h 49 min
